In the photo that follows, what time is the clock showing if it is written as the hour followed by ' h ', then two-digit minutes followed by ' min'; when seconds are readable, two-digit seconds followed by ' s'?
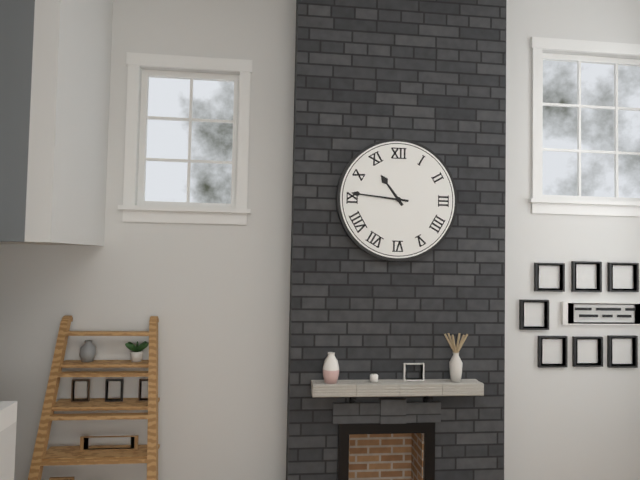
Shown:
10 h 46 min
